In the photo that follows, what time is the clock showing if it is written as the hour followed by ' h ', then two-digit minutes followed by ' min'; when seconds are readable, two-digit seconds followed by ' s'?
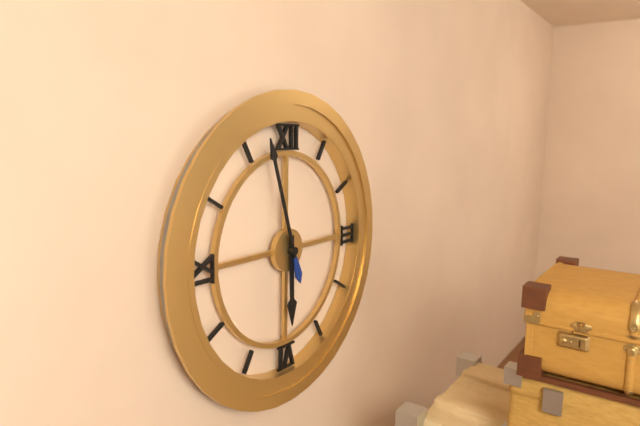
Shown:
5 h 57 min
